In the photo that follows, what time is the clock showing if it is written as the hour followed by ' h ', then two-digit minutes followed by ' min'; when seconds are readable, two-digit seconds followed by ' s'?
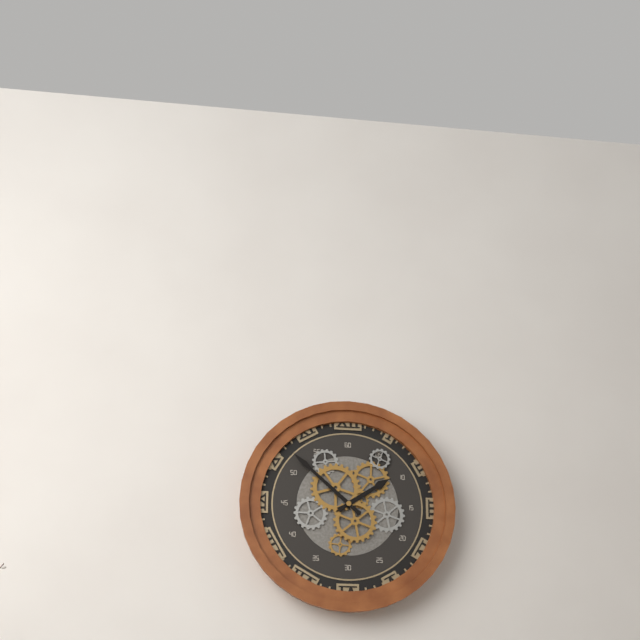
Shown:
1 h 52 min
